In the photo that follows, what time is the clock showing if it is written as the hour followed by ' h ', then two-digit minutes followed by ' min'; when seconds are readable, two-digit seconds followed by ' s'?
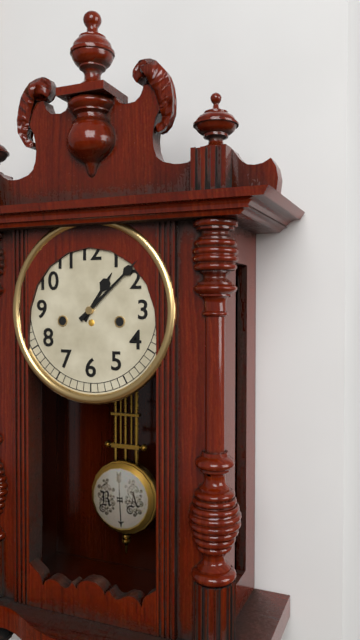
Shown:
1 h 08 min
